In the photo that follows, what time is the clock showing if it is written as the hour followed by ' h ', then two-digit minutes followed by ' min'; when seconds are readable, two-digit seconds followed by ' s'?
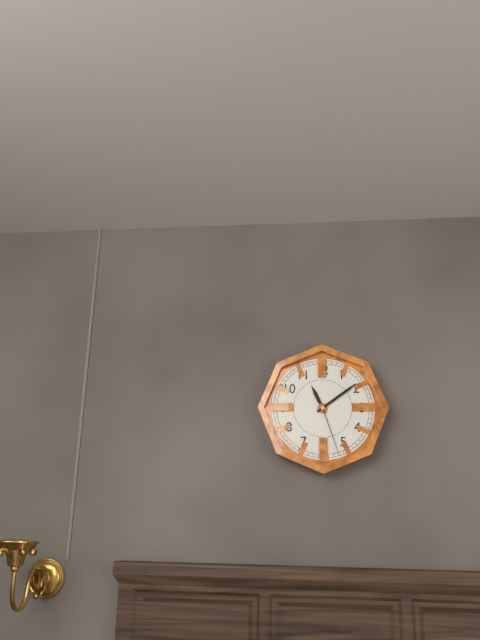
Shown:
11 h 09 min 27 s
